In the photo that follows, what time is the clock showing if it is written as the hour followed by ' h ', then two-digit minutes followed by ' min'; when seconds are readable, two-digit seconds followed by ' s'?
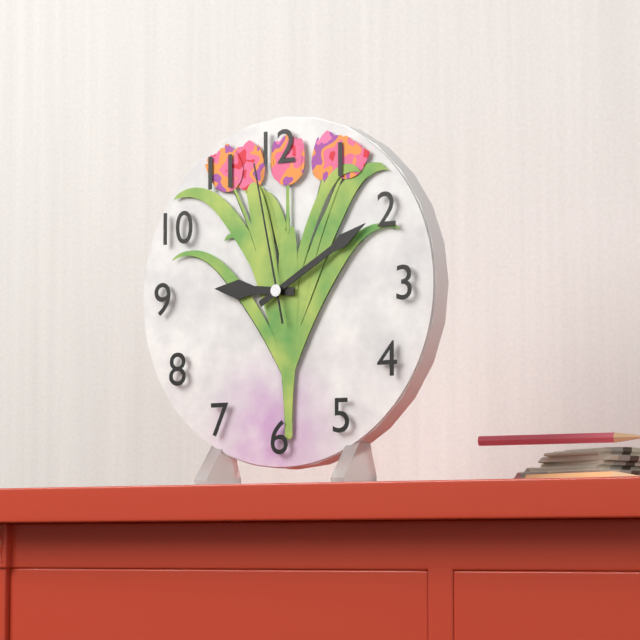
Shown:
9 h 10 min 58 s
